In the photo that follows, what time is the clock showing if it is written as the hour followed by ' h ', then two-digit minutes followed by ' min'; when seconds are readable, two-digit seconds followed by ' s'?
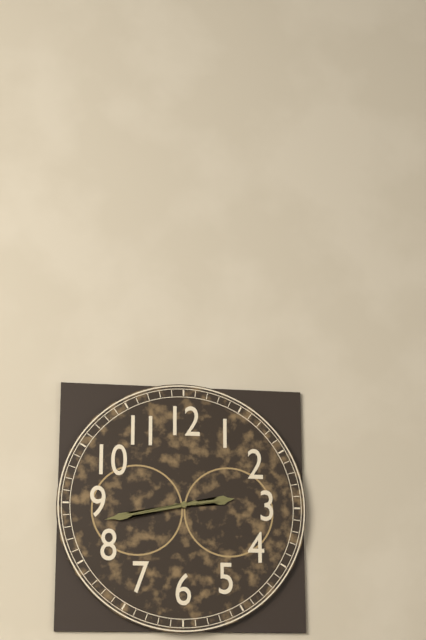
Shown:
2 h 43 min
